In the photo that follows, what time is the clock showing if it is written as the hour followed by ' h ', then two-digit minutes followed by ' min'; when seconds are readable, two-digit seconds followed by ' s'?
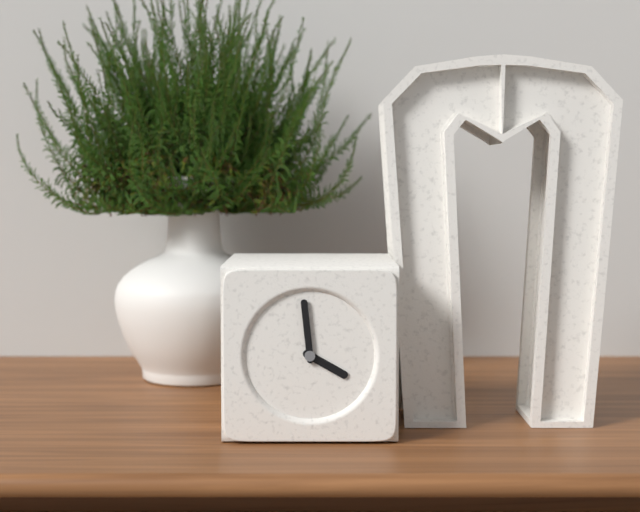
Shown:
3 h 59 min
